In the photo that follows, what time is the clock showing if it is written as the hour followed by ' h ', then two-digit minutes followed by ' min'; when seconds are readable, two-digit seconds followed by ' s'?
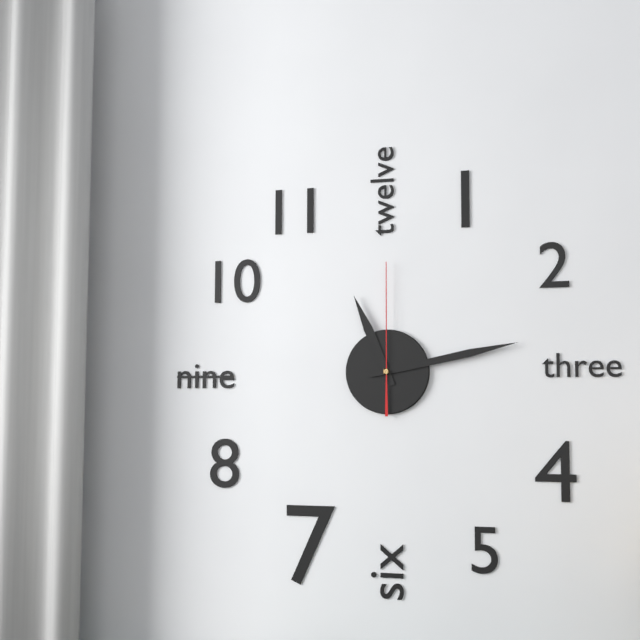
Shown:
11 h 13 min 00 s
